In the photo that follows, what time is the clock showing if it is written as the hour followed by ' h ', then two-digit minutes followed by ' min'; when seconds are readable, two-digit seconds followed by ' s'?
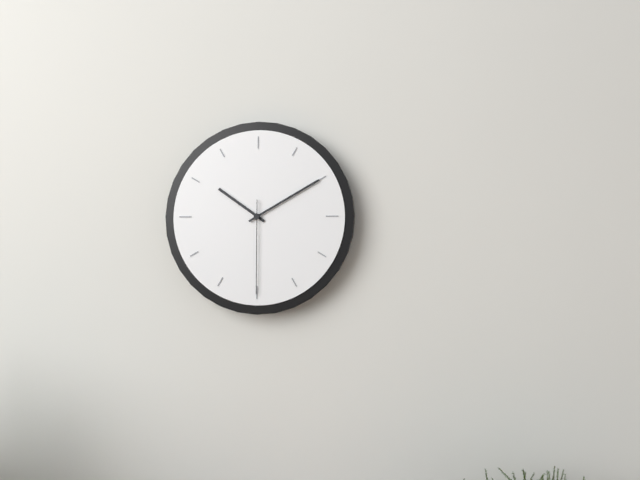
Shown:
10 h 10 min 30 s
